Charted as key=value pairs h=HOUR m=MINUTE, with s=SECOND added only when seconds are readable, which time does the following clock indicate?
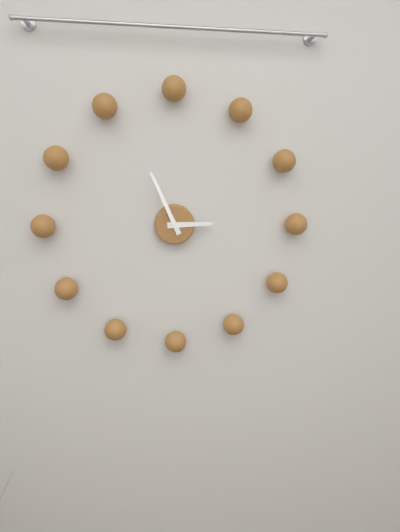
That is h=2 m=56
